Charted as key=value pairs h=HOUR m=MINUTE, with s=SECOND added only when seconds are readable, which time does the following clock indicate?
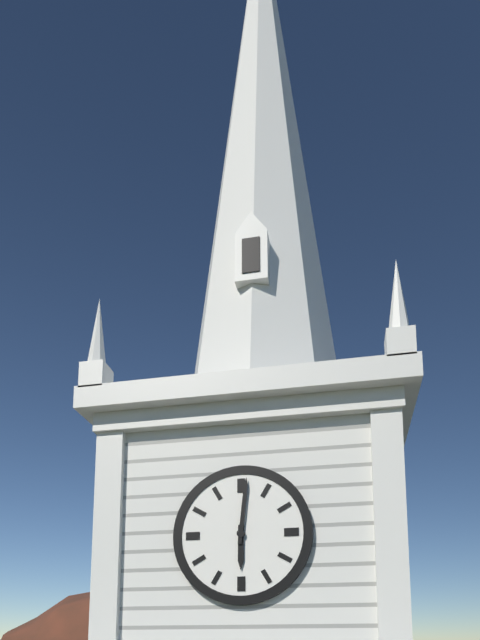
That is h=6 m=1
